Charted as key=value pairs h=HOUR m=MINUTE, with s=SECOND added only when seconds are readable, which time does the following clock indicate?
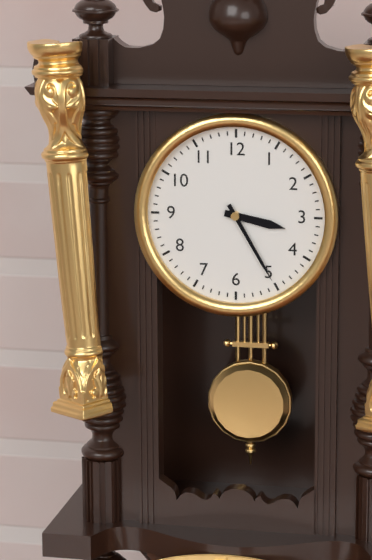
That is h=3 m=25
